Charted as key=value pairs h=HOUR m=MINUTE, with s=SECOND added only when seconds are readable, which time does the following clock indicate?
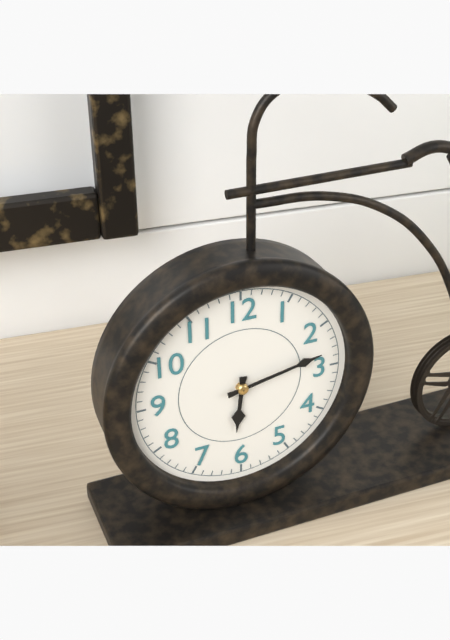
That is h=6 m=13
